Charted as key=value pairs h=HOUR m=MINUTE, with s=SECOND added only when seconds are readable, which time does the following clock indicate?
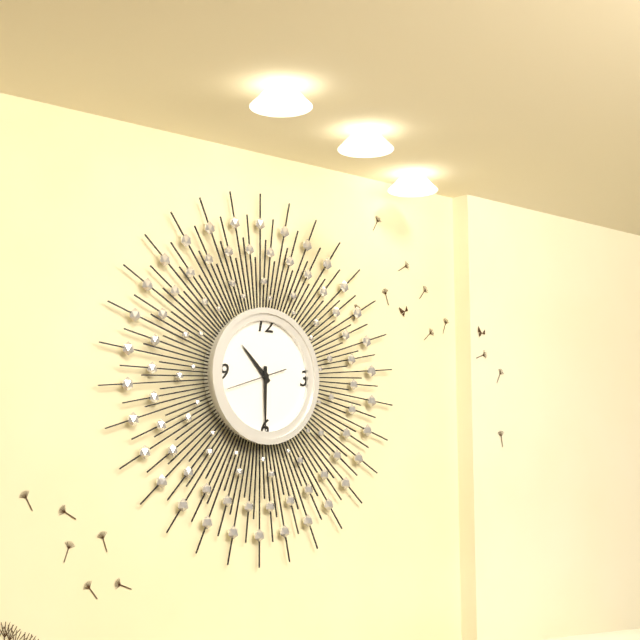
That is h=10 m=30 s=42
